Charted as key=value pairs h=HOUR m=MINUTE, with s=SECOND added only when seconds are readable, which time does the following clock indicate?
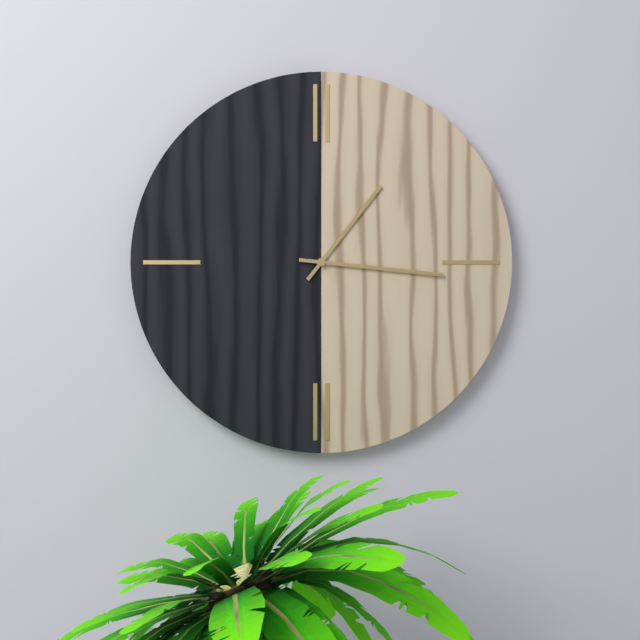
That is h=1 m=16
